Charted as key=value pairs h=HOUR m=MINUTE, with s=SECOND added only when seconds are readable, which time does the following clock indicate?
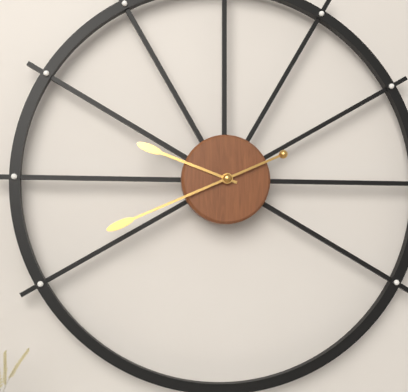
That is h=9 m=41
